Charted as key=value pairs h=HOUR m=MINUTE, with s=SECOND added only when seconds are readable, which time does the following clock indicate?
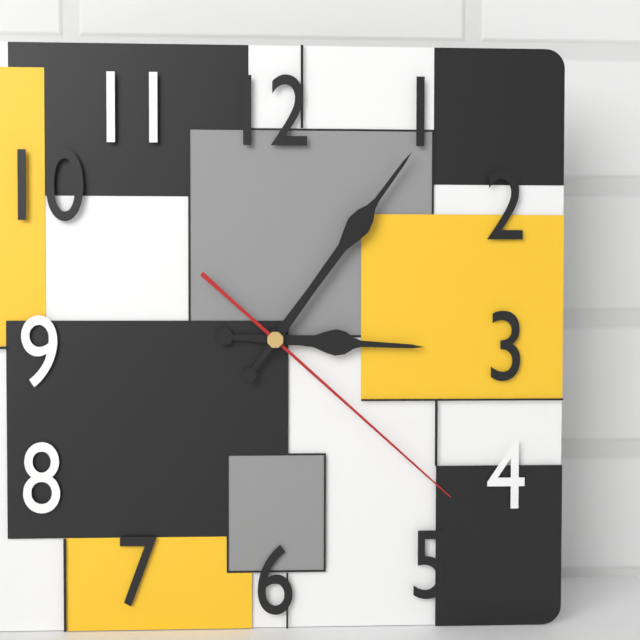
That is h=3 m=6 s=22
